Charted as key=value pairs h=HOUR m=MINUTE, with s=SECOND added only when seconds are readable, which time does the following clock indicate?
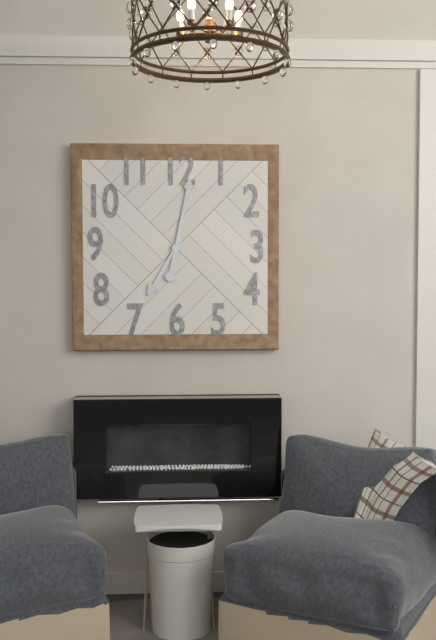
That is h=7 m=2
